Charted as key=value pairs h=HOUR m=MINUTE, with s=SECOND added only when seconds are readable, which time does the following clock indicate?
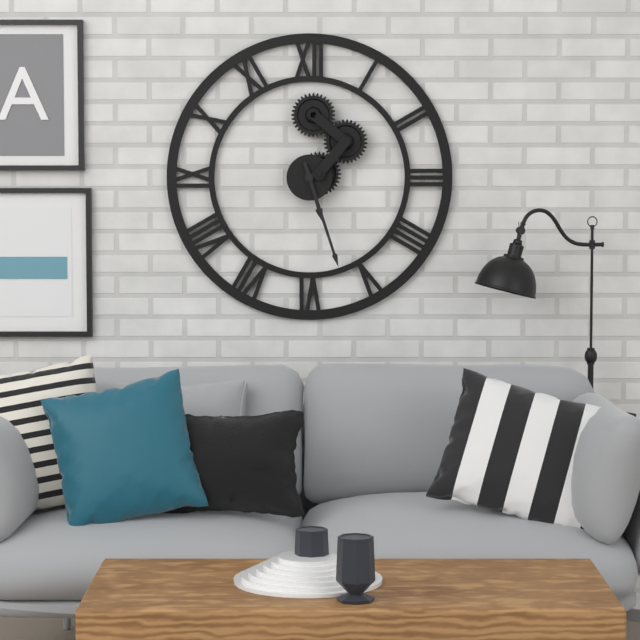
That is h=5 m=27
